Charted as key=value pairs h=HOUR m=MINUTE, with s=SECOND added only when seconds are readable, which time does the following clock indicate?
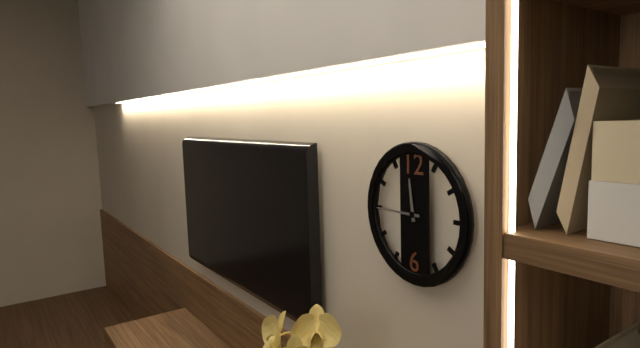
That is h=11 m=45
